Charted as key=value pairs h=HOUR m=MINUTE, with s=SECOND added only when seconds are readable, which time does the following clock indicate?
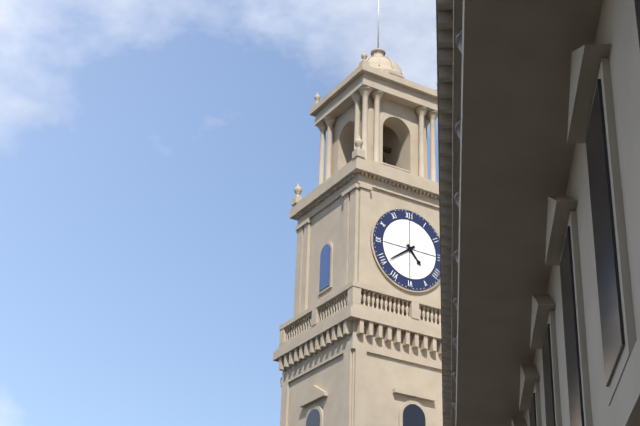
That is h=4 m=39
